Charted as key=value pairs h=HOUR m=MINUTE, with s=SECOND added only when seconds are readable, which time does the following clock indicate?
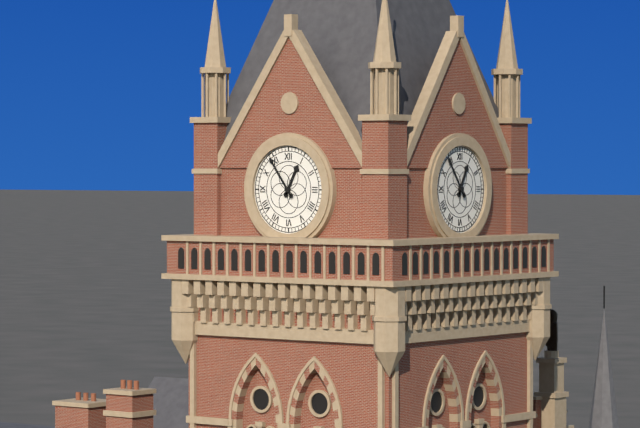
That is h=12 m=54
